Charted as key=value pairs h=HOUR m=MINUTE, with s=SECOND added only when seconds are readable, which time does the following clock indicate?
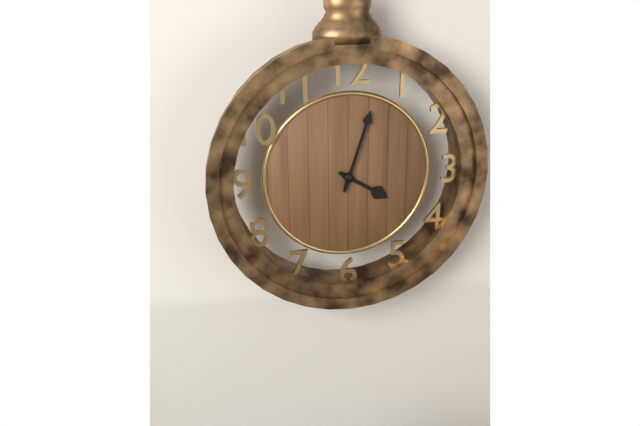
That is h=4 m=3
